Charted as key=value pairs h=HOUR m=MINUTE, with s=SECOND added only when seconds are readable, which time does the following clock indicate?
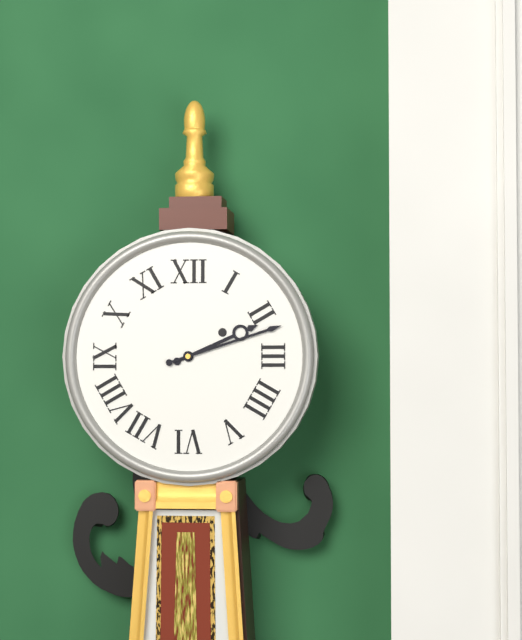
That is h=2 m=12
